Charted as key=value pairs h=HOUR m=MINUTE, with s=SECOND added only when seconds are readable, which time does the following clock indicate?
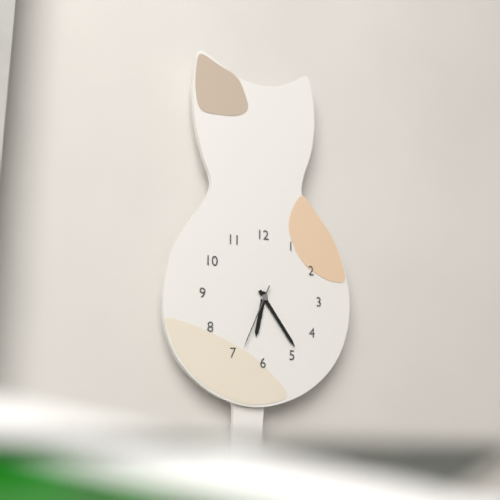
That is h=6 m=24 s=34
